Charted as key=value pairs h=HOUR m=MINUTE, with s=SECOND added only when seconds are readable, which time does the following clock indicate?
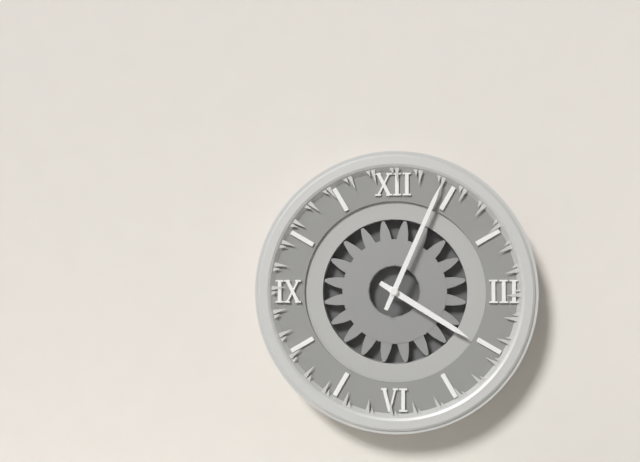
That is h=4 m=4
